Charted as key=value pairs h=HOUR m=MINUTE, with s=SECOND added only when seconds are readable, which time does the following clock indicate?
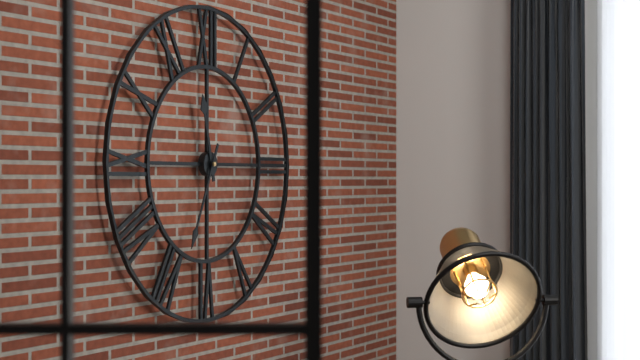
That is h=11 m=34
